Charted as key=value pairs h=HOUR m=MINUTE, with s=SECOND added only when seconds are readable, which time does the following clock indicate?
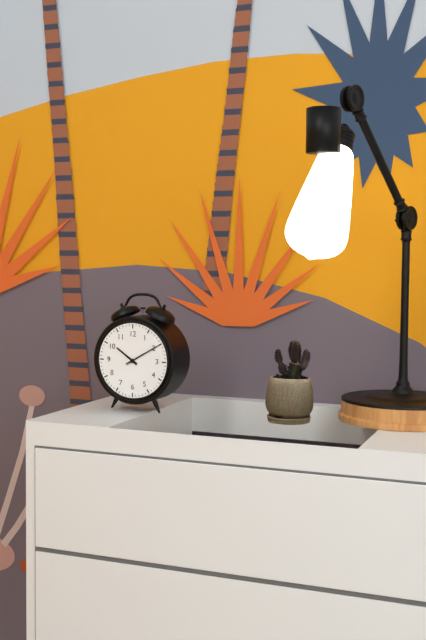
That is h=10 m=10
